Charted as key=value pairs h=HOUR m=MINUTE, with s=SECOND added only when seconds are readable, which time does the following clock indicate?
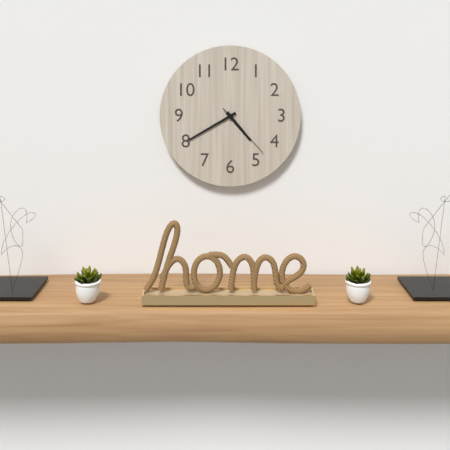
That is h=4 m=40 s=23
